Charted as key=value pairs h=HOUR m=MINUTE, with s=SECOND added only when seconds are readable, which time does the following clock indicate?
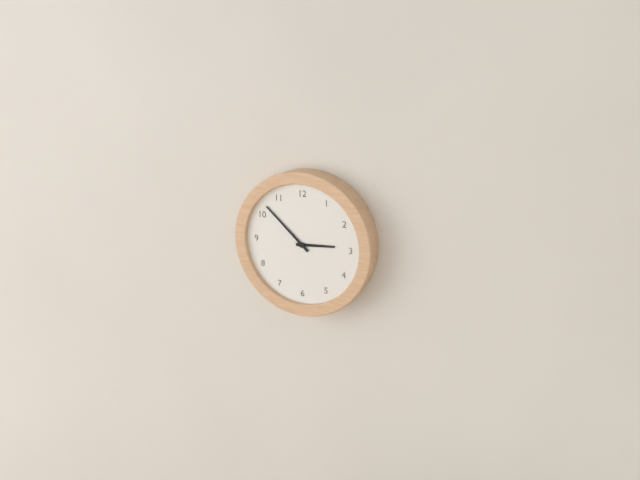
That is h=2 m=52
